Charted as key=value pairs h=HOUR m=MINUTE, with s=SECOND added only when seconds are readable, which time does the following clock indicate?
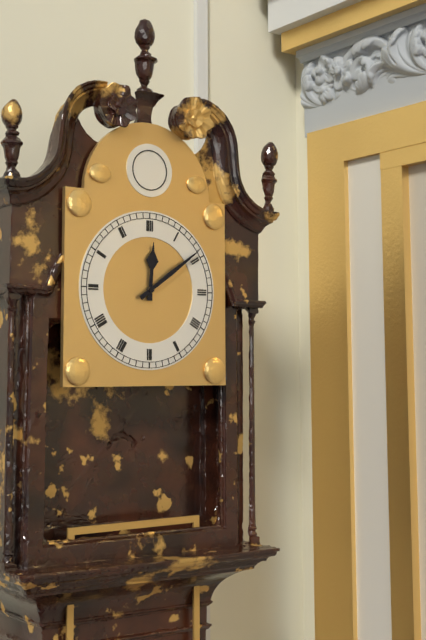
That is h=12 m=9
